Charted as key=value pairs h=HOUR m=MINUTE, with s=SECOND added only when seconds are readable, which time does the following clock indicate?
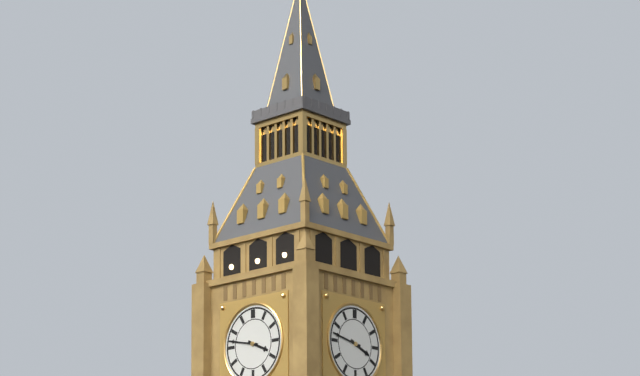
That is h=3 m=47
